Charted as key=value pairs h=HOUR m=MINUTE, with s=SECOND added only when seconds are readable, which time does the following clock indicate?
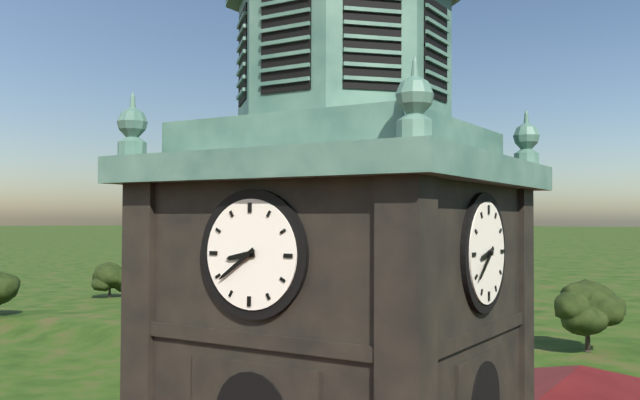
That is h=8 m=39
